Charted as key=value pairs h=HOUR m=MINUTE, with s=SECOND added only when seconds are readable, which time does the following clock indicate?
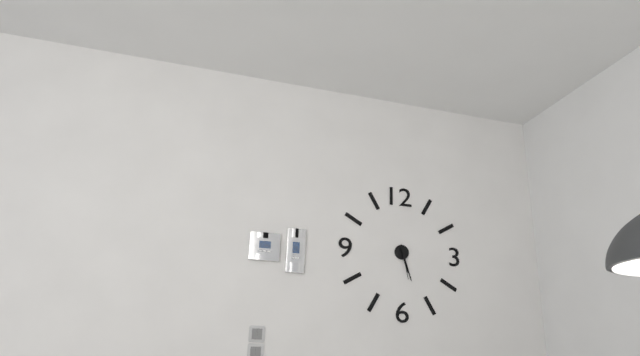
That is h=5 m=27
